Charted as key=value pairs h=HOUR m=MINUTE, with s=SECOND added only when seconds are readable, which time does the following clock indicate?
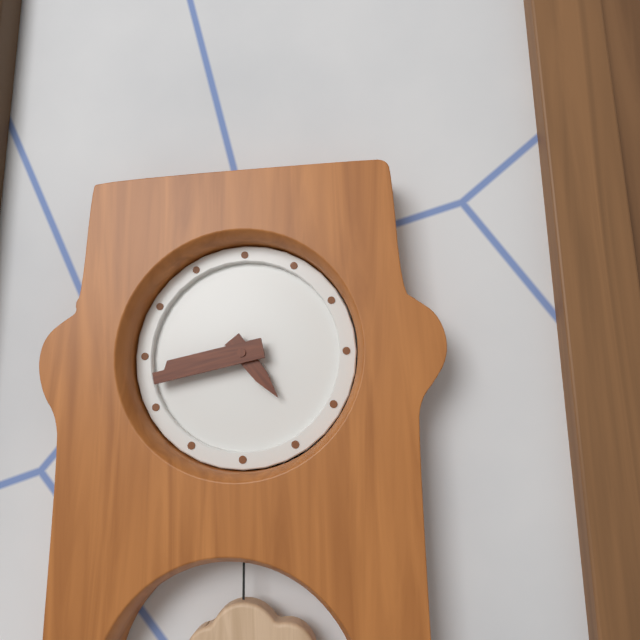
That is h=4 m=43
